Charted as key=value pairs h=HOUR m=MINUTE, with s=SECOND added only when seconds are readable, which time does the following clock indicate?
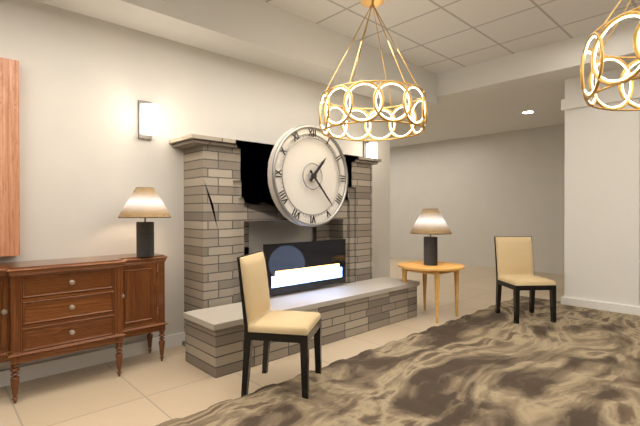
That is h=1 m=23
